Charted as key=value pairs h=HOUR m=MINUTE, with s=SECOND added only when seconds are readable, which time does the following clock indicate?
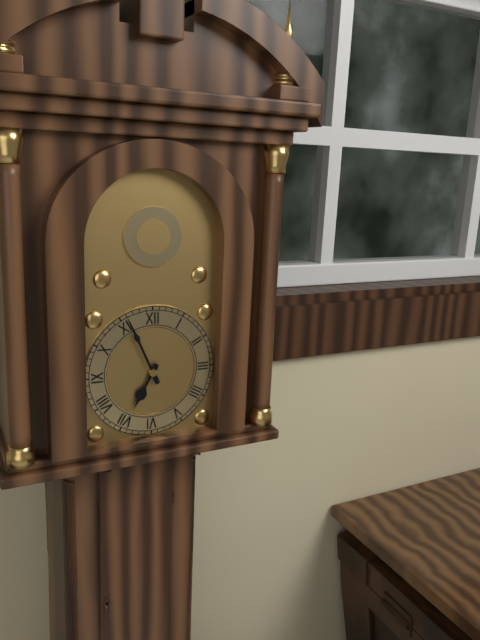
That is h=6 m=56
